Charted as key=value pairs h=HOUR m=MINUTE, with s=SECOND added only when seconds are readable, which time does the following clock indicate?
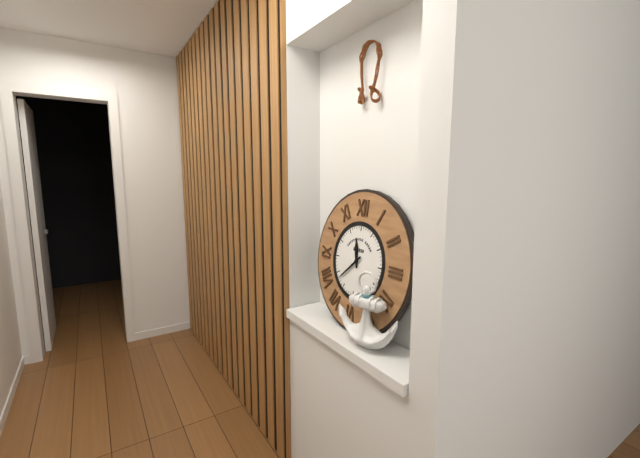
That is h=11 m=38
